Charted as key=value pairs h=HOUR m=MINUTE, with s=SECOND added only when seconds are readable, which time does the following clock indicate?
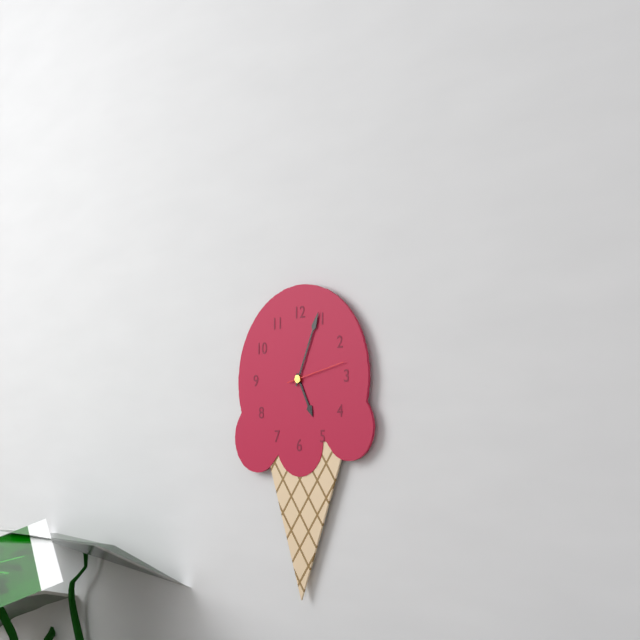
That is h=5 m=4 s=13
